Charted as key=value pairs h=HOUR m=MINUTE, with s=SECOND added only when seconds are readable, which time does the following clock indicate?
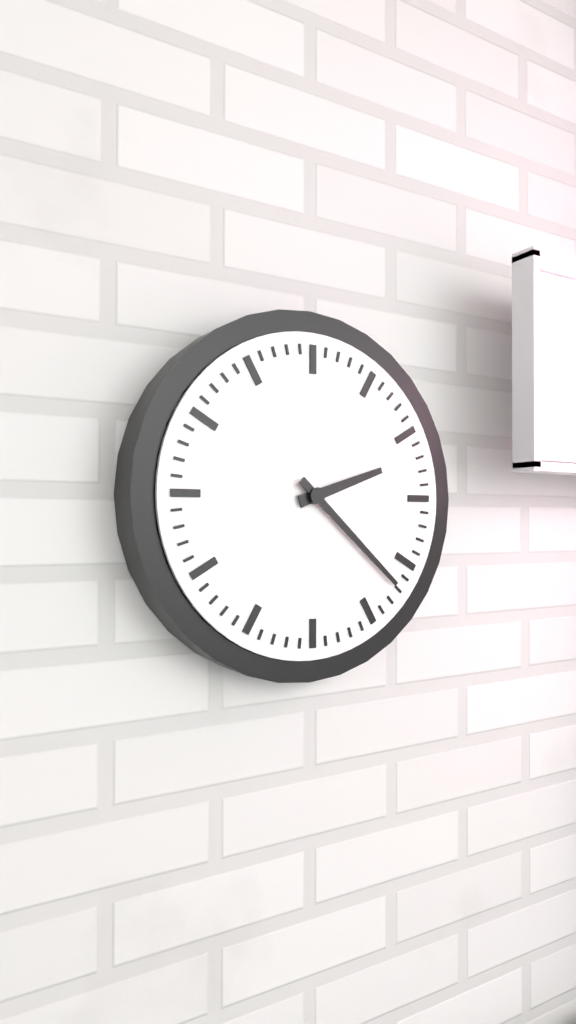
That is h=2 m=22
